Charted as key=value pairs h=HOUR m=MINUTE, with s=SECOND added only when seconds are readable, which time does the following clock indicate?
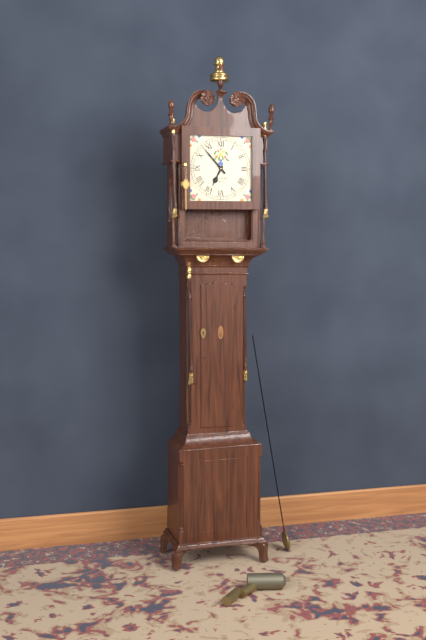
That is h=6 m=53
